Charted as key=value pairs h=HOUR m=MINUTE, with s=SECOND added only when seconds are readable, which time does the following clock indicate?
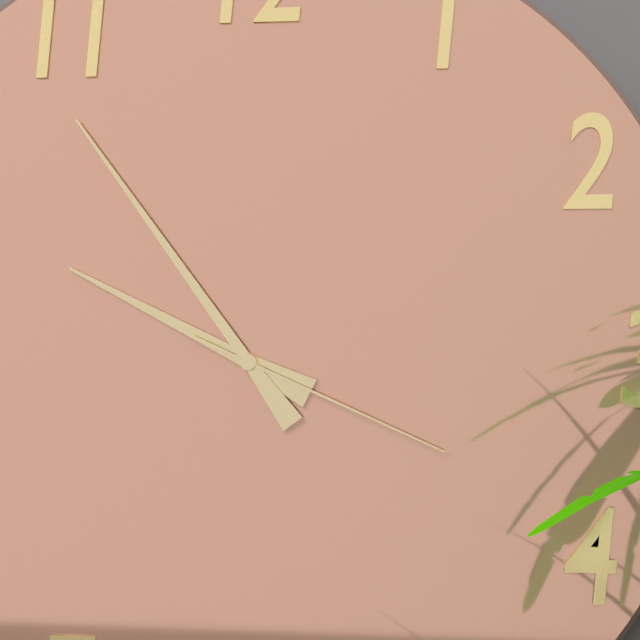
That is h=9 m=54 s=19
